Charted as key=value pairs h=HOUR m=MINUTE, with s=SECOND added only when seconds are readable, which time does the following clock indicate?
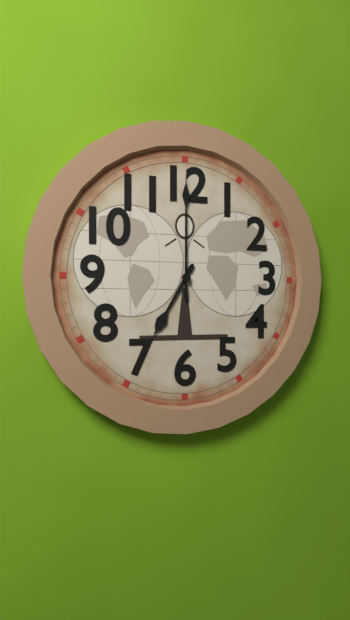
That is h=7 m=0
